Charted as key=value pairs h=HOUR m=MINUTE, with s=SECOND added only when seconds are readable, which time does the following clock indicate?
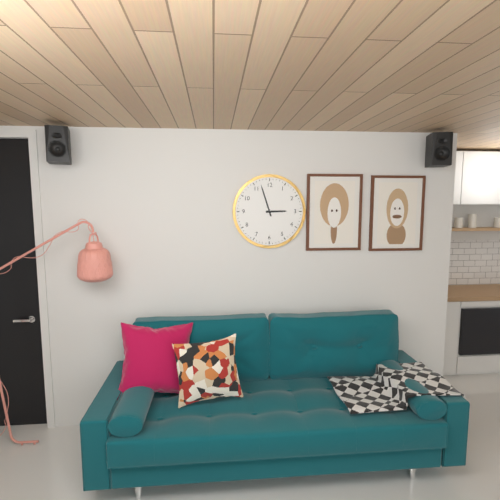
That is h=2 m=57
